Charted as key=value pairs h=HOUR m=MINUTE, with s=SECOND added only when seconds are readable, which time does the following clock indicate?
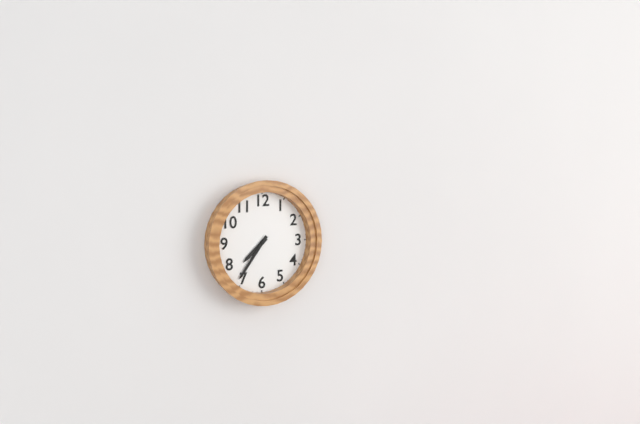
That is h=7 m=36
